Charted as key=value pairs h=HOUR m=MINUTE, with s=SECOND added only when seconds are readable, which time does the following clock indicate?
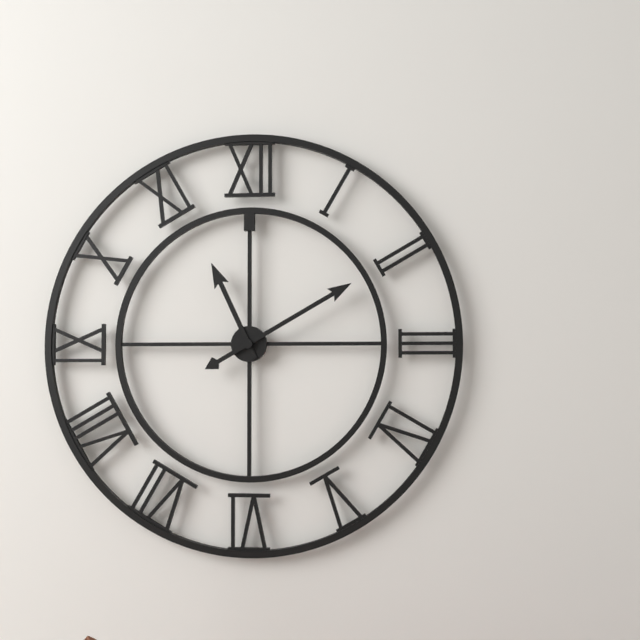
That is h=11 m=10
